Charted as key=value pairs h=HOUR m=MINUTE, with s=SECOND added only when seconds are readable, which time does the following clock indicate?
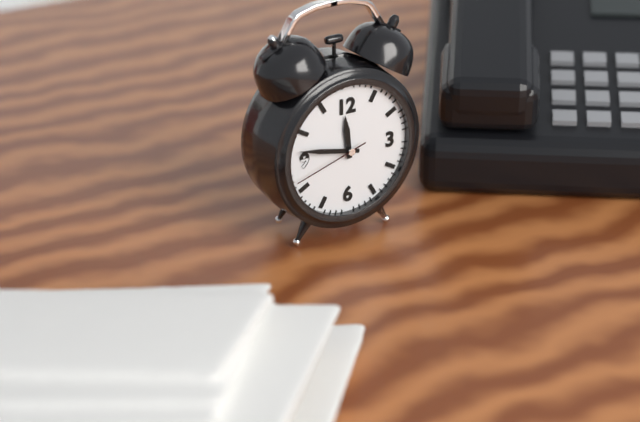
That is h=11 m=47 s=42
